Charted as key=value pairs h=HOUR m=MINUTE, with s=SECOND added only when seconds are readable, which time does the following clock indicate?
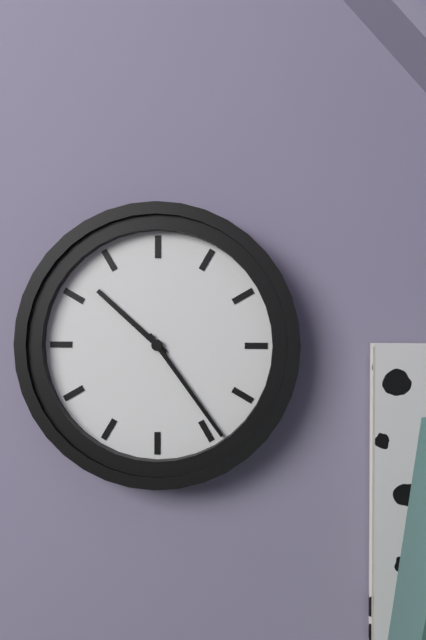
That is h=10 m=24
